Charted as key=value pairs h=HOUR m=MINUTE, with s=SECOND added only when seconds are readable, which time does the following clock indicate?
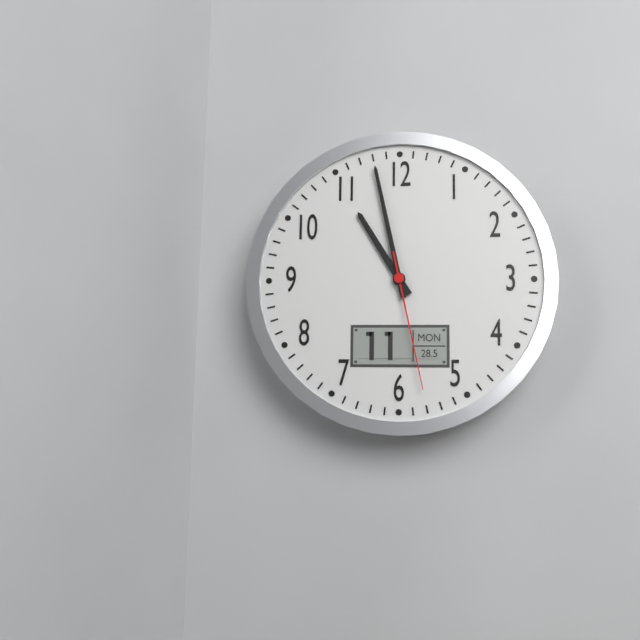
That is h=10 m=58 s=28
